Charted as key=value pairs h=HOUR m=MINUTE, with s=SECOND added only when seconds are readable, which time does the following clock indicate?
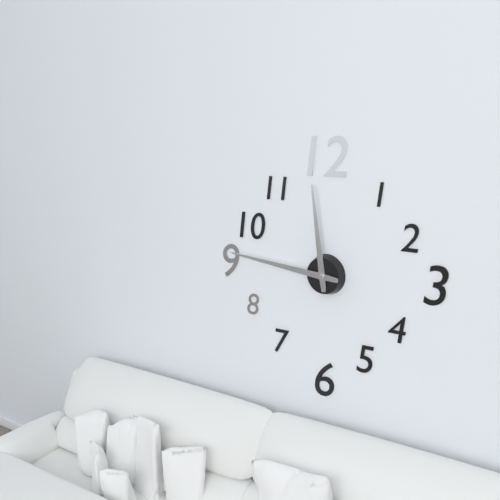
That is h=11 m=46
